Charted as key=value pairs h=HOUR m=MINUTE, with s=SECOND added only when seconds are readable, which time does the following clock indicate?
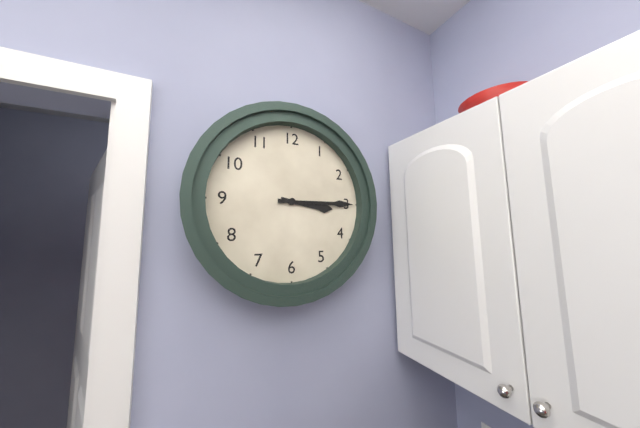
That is h=3 m=15
